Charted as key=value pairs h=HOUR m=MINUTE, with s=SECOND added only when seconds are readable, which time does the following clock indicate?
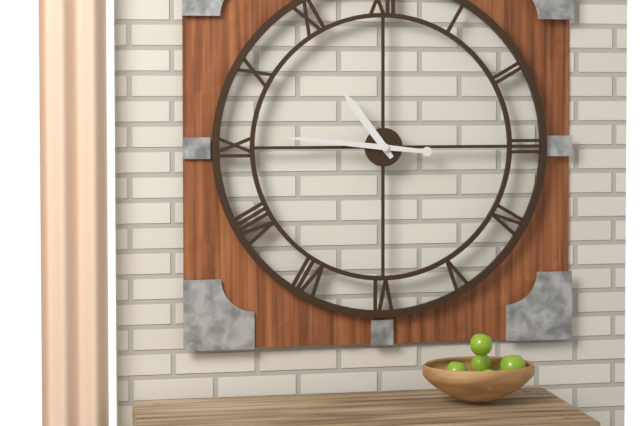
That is h=10 m=46
